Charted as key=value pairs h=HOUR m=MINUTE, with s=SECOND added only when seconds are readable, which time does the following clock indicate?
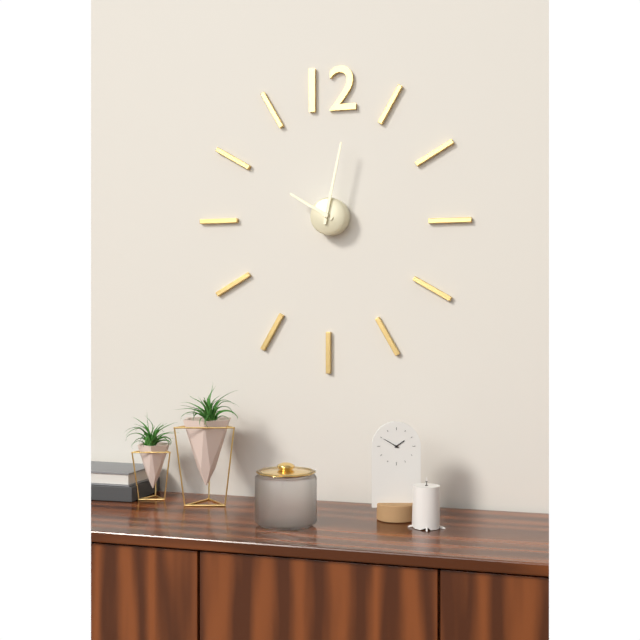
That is h=10 m=2
